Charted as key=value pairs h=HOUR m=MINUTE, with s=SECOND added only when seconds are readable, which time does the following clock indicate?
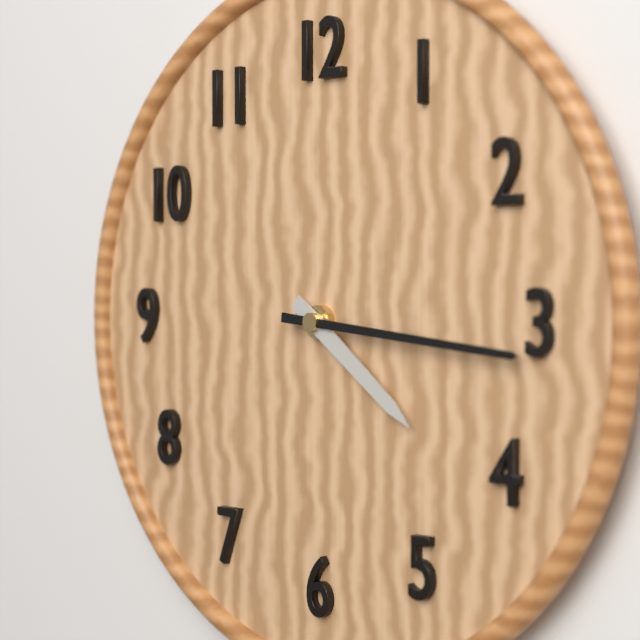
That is h=4 m=16
